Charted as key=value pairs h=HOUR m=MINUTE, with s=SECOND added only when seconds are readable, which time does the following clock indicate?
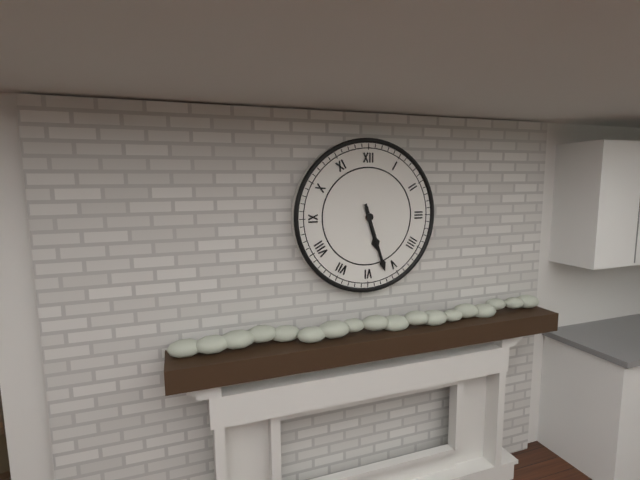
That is h=5 m=27
